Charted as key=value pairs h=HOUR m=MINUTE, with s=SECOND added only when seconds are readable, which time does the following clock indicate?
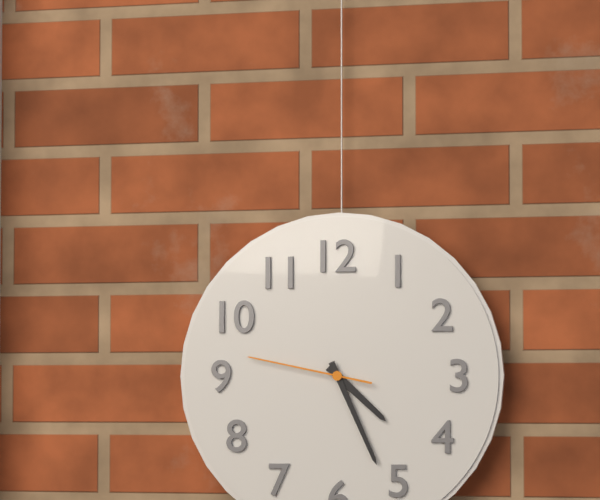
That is h=4 m=26 s=47
